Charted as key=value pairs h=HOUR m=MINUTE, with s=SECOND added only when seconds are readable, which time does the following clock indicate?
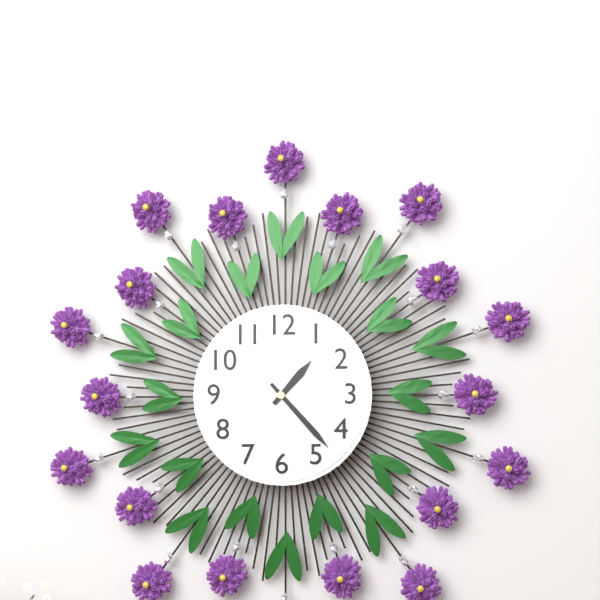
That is h=1 m=23
